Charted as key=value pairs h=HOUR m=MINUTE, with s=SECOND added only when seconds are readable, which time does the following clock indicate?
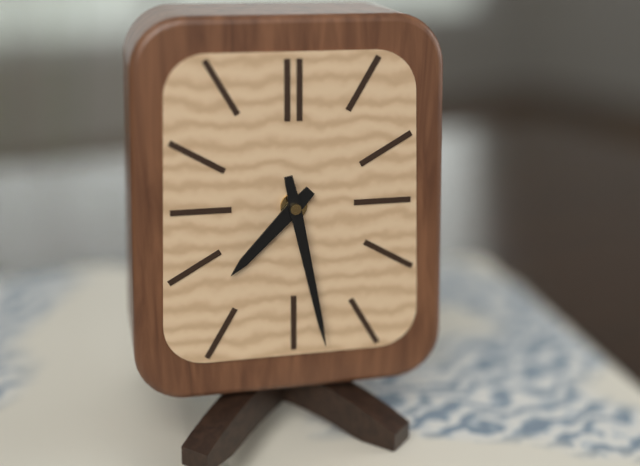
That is h=7 m=28
